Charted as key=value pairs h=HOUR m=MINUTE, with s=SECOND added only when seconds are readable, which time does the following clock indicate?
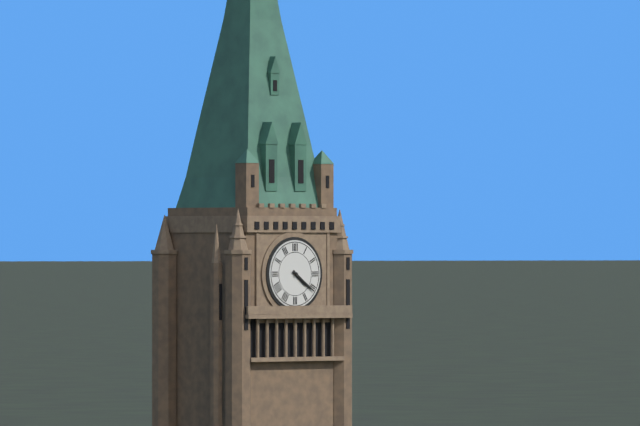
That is h=4 m=21
